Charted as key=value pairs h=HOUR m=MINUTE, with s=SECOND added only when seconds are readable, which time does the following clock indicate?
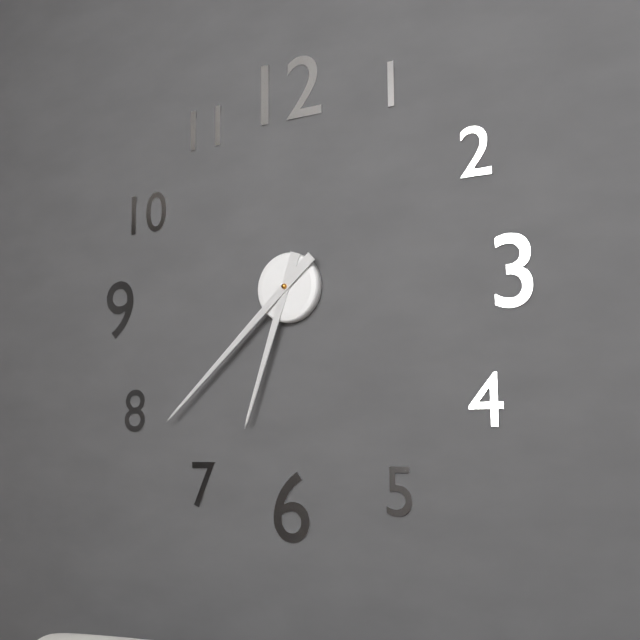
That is h=6 m=38
